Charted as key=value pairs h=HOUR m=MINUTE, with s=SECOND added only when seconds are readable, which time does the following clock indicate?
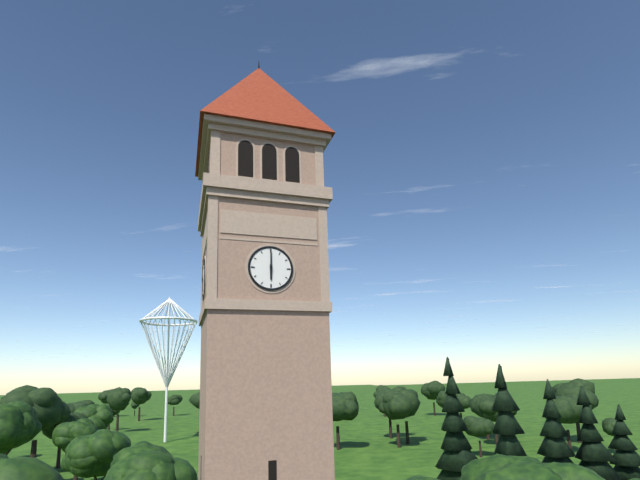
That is h=6 m=0
